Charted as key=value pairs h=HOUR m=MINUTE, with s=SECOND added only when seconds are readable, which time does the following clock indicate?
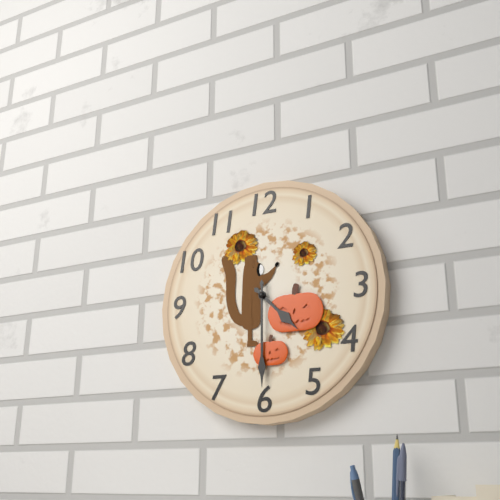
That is h=4 m=30
